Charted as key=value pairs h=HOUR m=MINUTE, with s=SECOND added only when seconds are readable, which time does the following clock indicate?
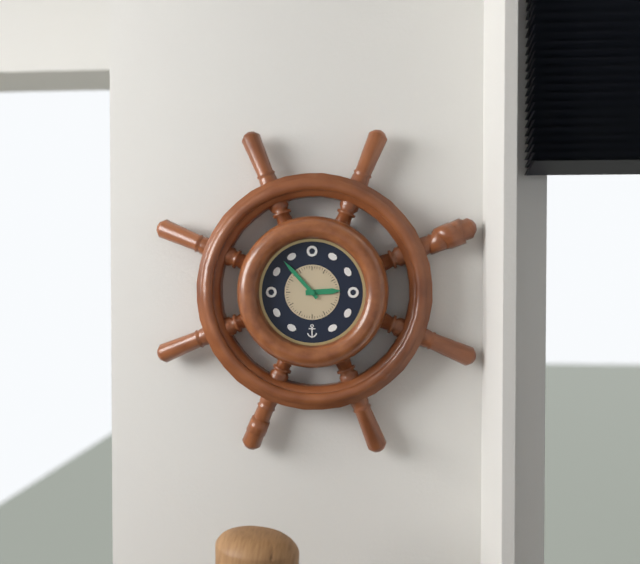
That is h=2 m=53
